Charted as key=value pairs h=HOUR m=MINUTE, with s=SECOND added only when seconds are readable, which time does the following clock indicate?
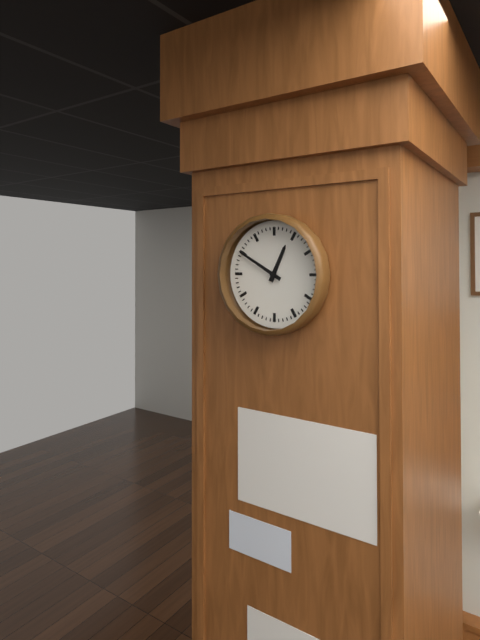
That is h=12 m=50
